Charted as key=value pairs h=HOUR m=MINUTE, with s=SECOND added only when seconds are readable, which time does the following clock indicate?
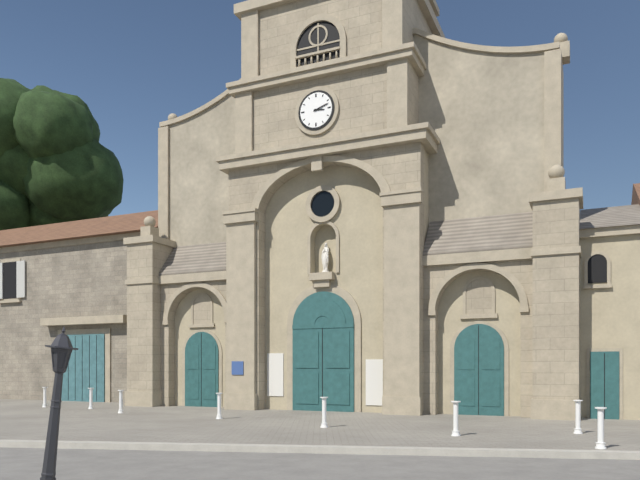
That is h=3 m=12
